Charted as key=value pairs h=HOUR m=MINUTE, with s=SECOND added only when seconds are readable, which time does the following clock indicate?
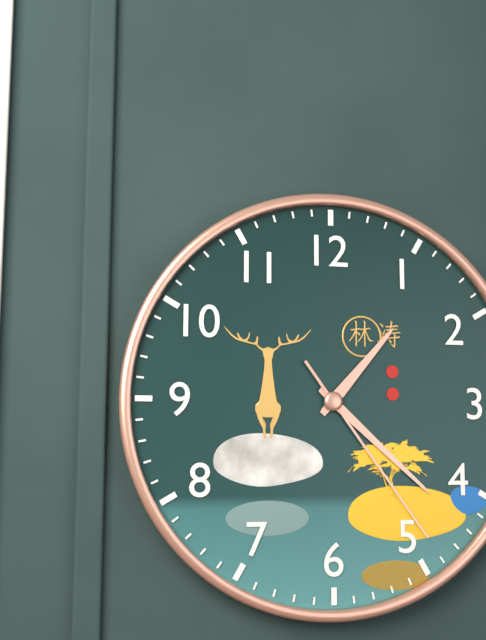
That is h=1 m=22 s=24
